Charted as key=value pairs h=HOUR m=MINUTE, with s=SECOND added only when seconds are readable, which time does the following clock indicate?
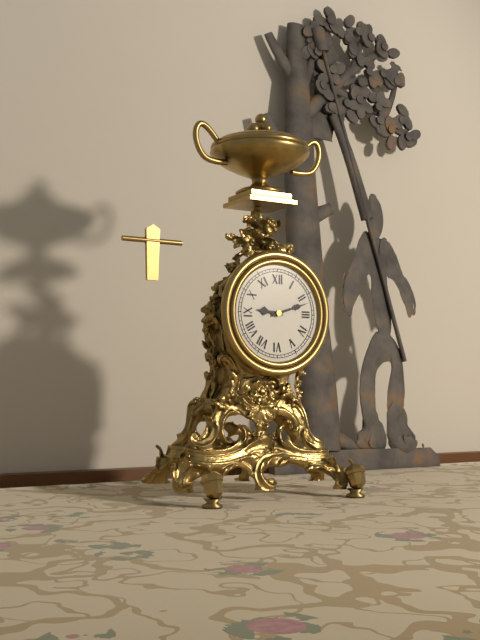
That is h=9 m=12
